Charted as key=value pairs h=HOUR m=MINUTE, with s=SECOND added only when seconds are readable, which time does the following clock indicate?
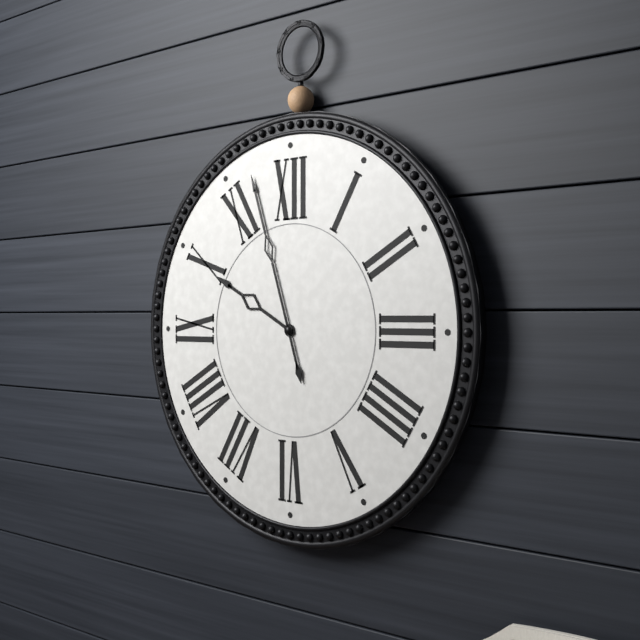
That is h=9 m=57
